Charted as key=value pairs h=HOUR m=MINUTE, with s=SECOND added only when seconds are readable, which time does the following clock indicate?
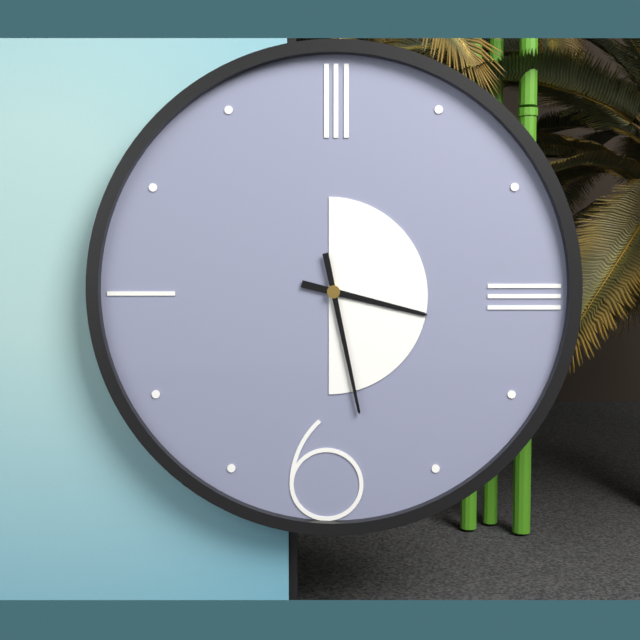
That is h=3 m=28
